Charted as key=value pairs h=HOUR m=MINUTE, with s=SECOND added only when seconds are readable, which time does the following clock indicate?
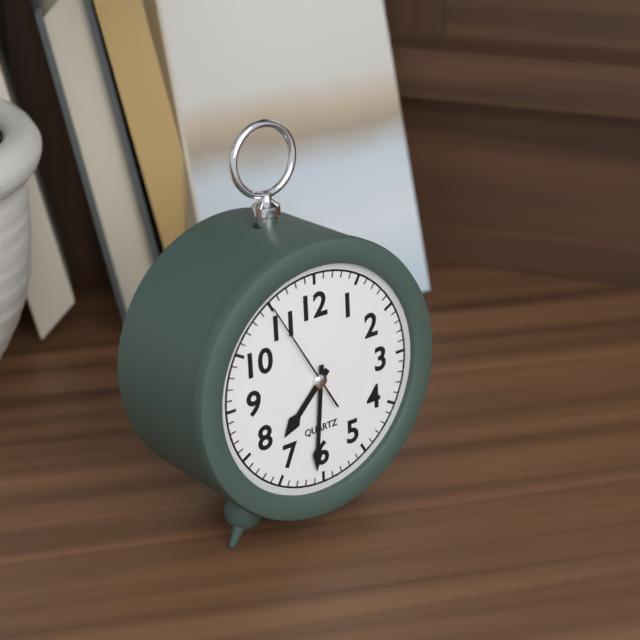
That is h=7 m=31 s=55
